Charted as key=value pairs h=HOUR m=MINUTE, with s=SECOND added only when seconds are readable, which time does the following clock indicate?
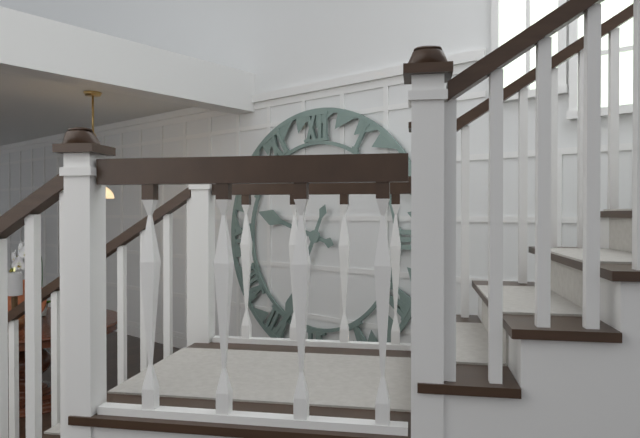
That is h=9 m=34
